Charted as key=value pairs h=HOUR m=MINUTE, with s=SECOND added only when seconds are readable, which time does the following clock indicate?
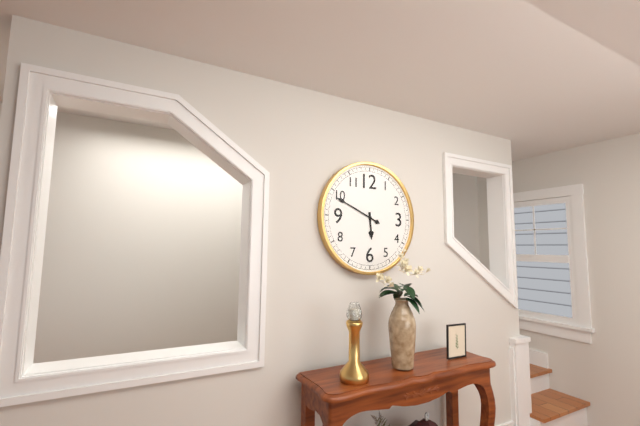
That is h=5 m=49
